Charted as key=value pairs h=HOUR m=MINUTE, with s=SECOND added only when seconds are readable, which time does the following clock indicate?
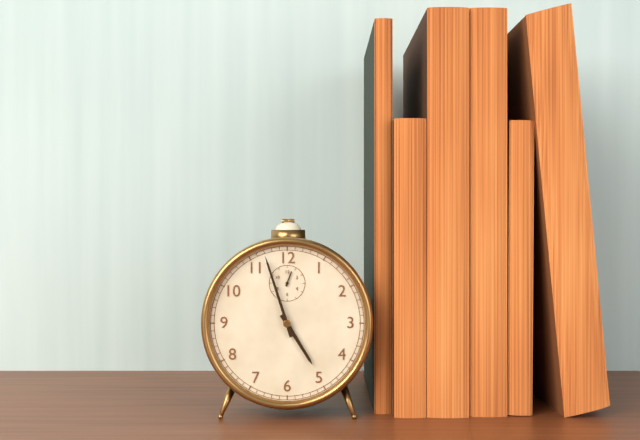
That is h=4 m=57
